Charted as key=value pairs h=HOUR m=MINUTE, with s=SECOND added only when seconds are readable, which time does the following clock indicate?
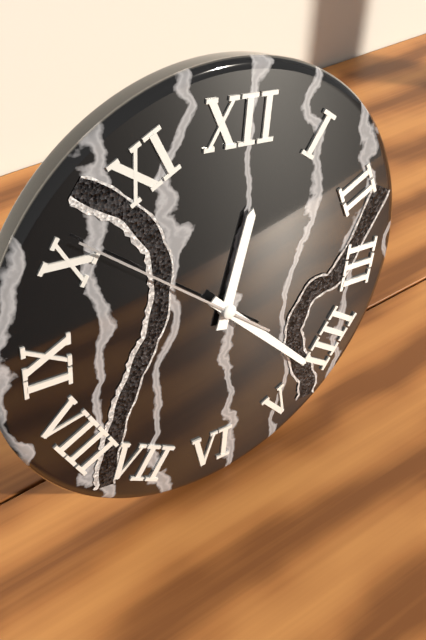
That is h=12 m=22 s=51
